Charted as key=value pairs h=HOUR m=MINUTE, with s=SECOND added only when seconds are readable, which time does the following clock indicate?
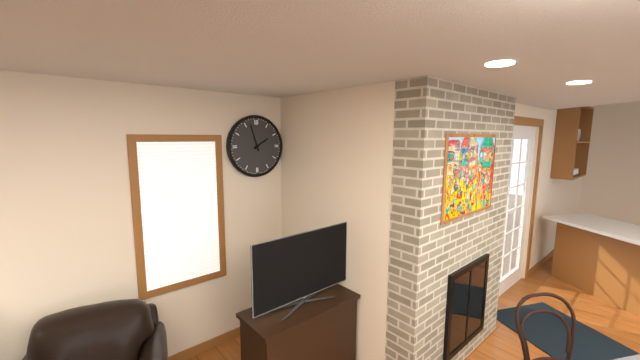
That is h=1 m=57
